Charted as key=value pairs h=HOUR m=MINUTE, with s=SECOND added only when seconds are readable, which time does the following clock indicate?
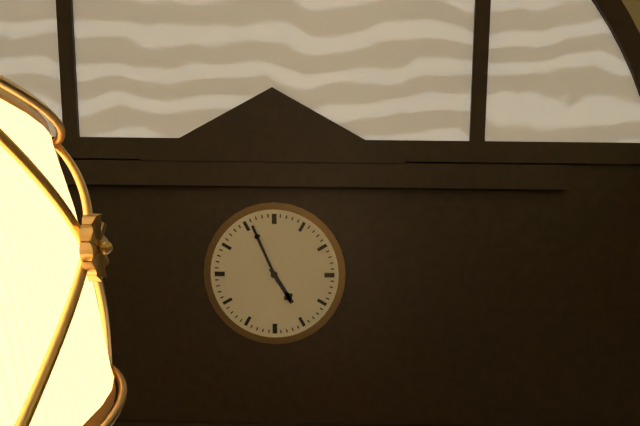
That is h=4 m=56
